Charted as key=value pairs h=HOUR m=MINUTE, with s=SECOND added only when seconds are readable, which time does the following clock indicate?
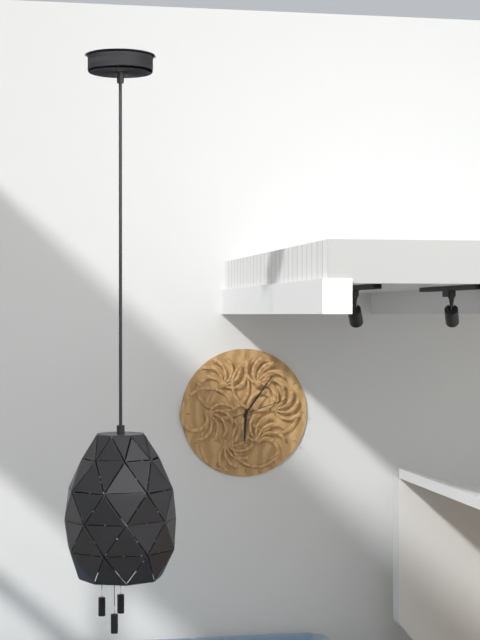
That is h=6 m=6 s=12
